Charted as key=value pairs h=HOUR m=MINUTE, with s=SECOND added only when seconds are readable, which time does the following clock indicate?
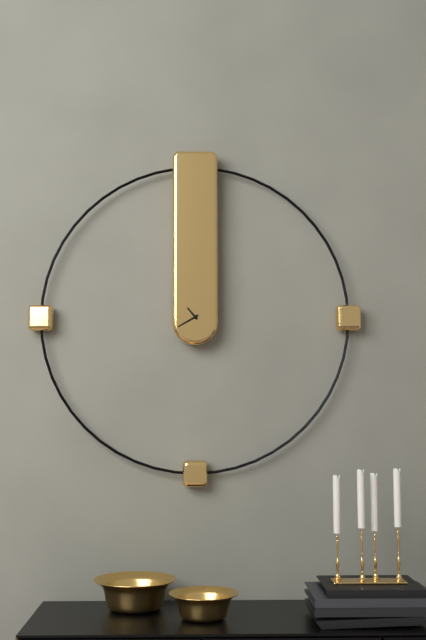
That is h=10 m=40
